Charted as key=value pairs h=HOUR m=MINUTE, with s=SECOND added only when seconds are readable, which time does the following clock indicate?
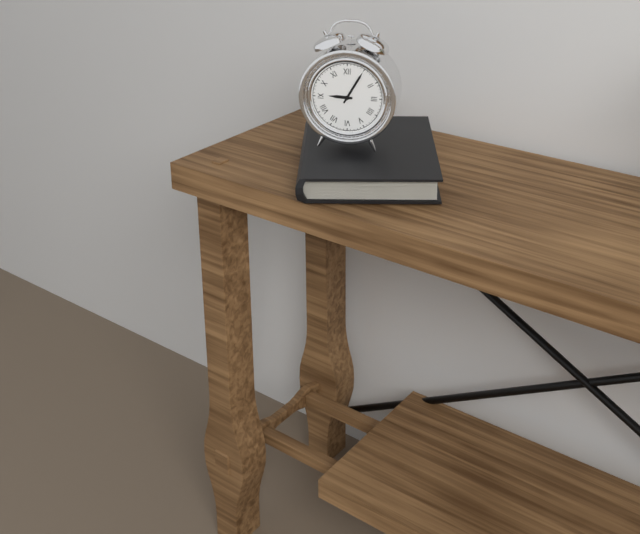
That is h=9 m=5
